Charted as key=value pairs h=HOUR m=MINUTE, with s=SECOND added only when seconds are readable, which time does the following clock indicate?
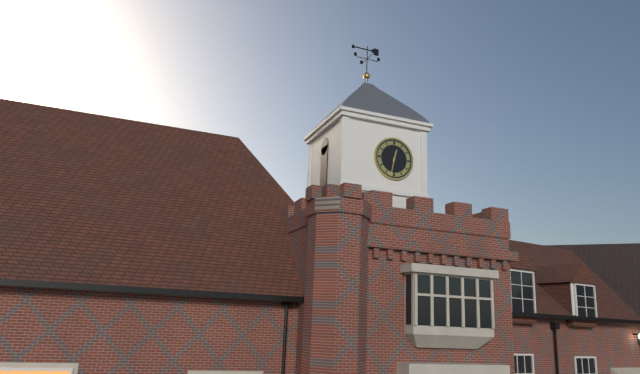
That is h=12 m=32
